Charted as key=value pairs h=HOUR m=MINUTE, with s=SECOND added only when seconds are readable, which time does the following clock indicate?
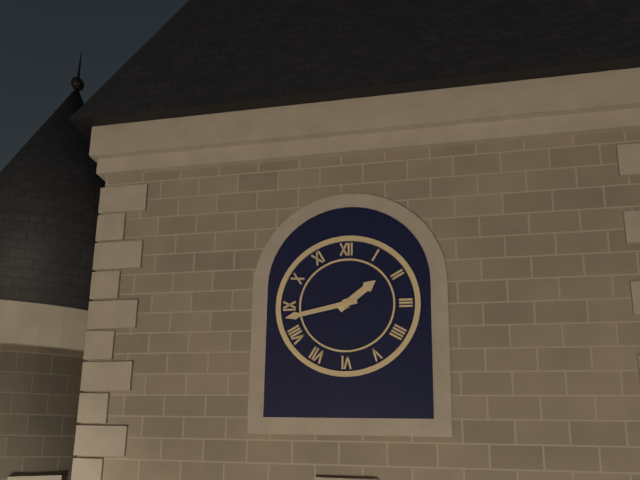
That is h=1 m=43
